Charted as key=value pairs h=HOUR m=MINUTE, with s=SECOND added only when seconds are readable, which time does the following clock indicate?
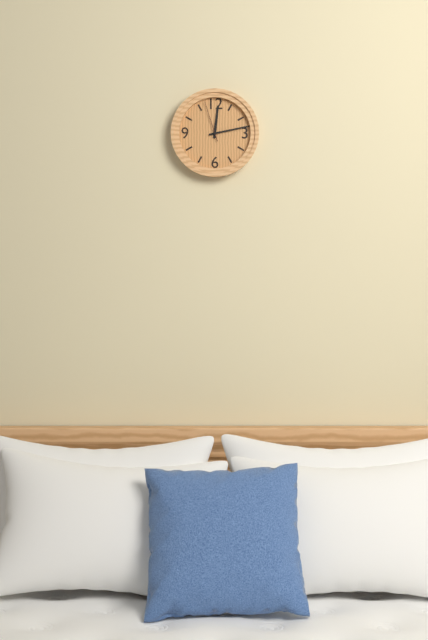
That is h=12 m=13
